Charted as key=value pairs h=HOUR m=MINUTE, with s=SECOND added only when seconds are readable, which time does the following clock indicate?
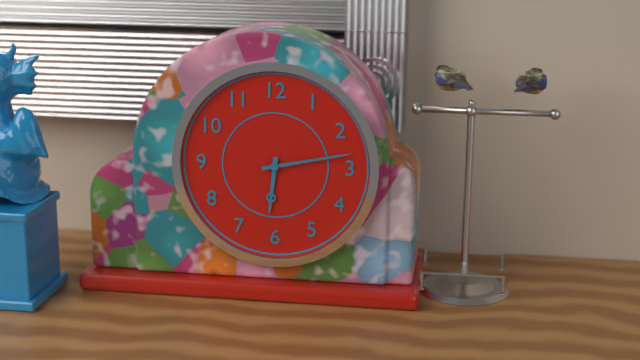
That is h=6 m=13
